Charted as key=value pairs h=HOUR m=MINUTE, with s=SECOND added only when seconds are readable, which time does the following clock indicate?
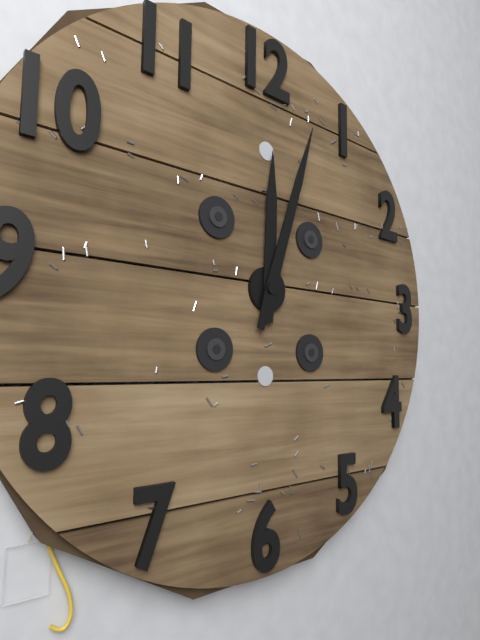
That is h=12 m=3
